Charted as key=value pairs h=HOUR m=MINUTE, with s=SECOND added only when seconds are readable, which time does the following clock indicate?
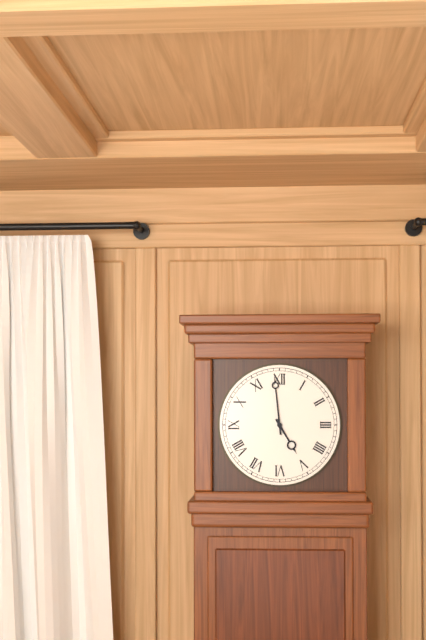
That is h=4 m=59
